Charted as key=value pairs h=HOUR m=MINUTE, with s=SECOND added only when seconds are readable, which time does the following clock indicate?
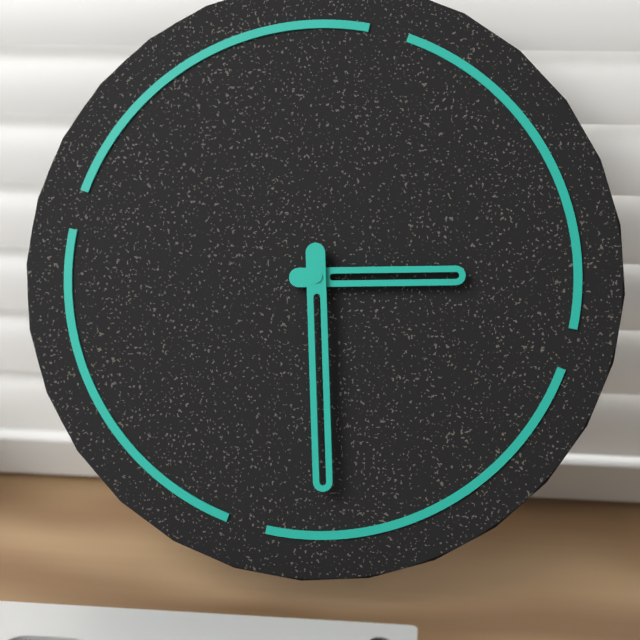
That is h=2 m=27
